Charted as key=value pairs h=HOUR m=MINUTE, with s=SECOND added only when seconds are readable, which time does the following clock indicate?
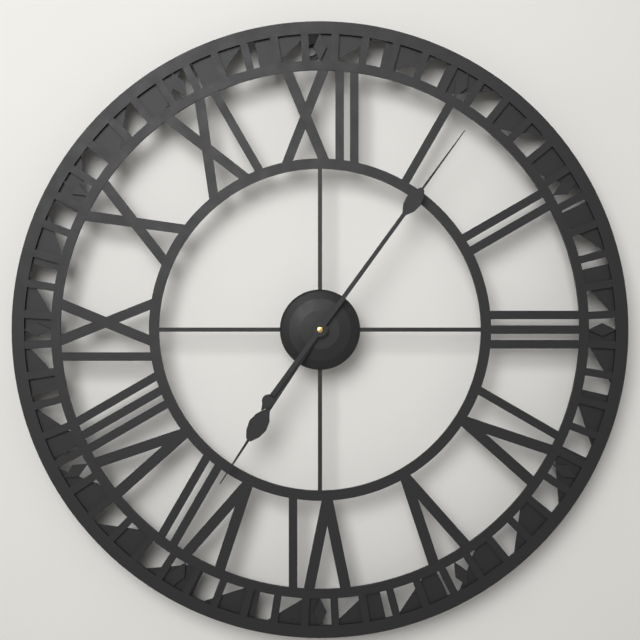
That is h=7 m=6
